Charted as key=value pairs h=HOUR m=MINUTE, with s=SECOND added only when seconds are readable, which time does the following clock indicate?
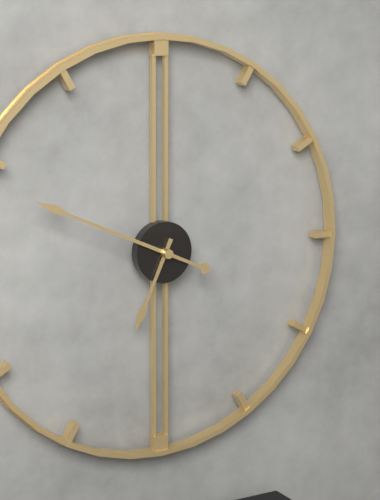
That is h=6 m=49
